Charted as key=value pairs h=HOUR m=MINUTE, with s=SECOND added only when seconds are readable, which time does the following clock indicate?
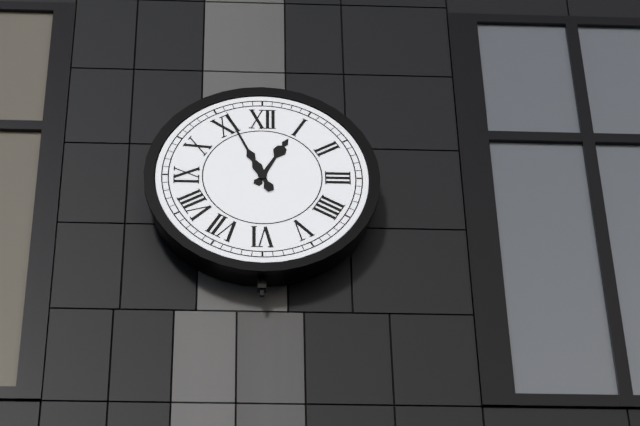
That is h=12 m=56
